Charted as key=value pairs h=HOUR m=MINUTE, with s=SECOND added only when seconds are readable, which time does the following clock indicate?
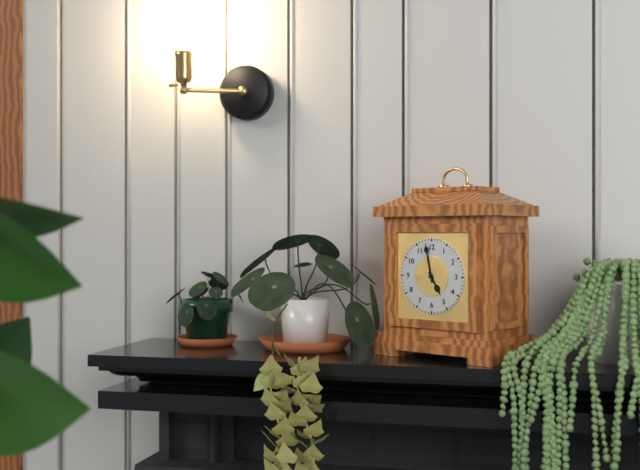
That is h=4 m=58
